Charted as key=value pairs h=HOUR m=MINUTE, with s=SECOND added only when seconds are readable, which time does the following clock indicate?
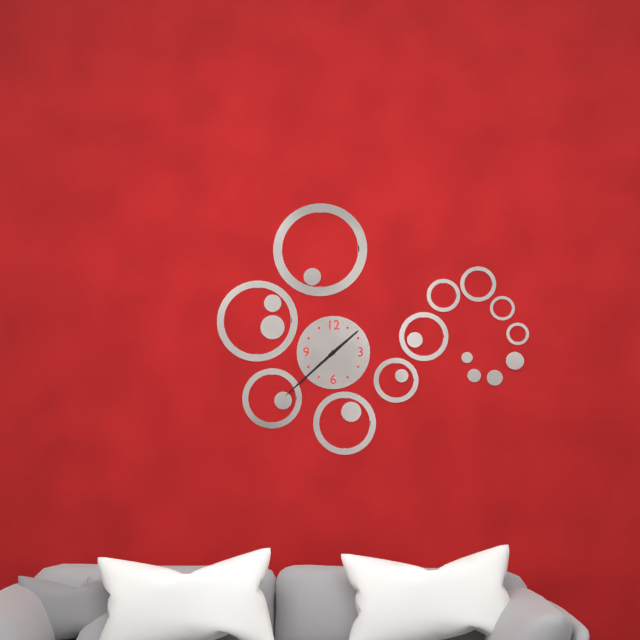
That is h=1 m=38
